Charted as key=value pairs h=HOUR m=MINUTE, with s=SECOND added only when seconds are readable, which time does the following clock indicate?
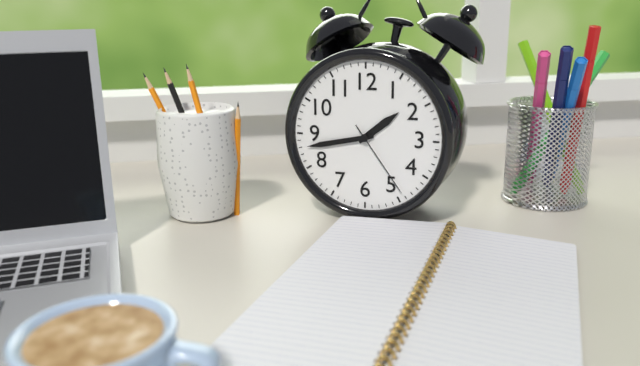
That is h=1 m=43 s=24
